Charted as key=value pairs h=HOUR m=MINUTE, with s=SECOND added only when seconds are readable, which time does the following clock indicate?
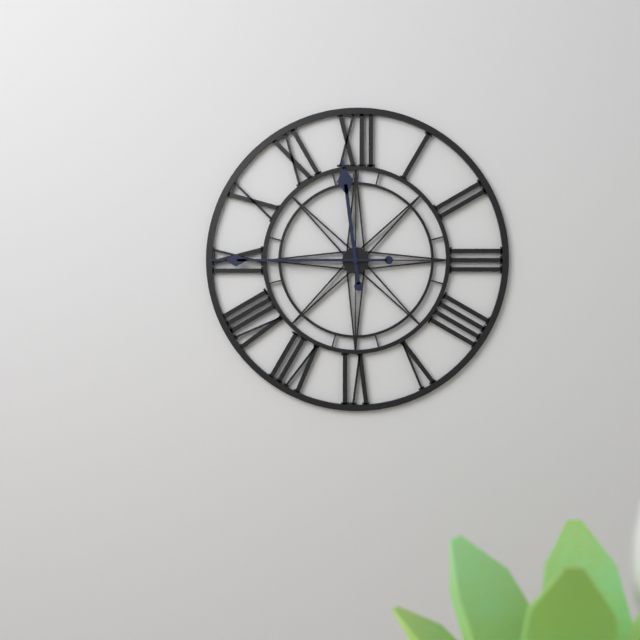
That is h=11 m=45
